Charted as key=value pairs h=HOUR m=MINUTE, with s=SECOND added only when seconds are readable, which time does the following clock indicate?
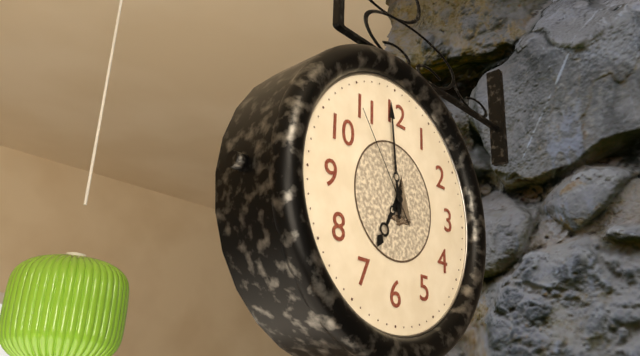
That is h=6 m=59 s=54
